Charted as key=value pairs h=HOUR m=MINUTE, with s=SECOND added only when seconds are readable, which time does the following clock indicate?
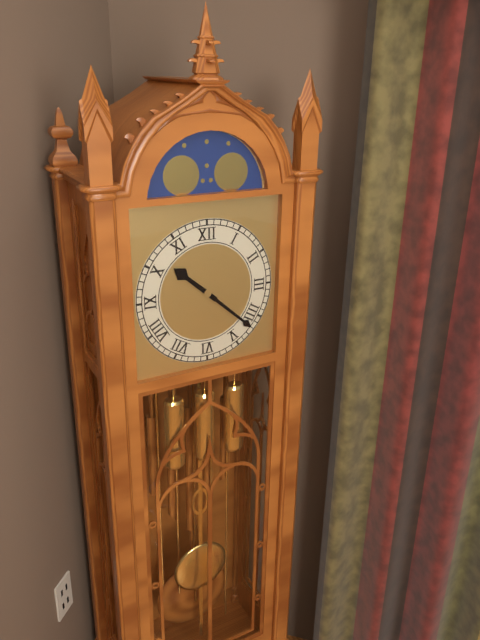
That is h=10 m=22
